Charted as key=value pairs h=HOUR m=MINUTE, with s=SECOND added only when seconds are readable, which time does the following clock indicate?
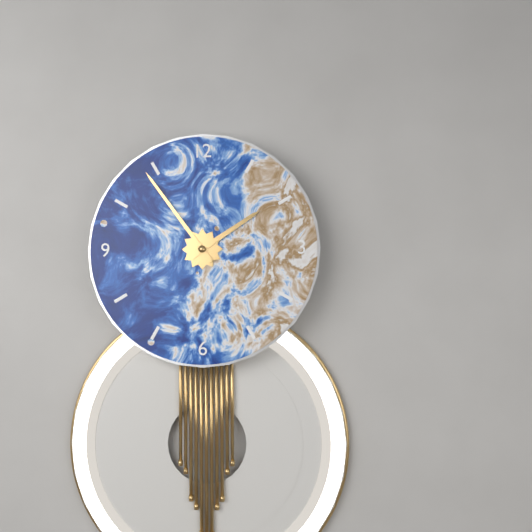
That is h=1 m=54
